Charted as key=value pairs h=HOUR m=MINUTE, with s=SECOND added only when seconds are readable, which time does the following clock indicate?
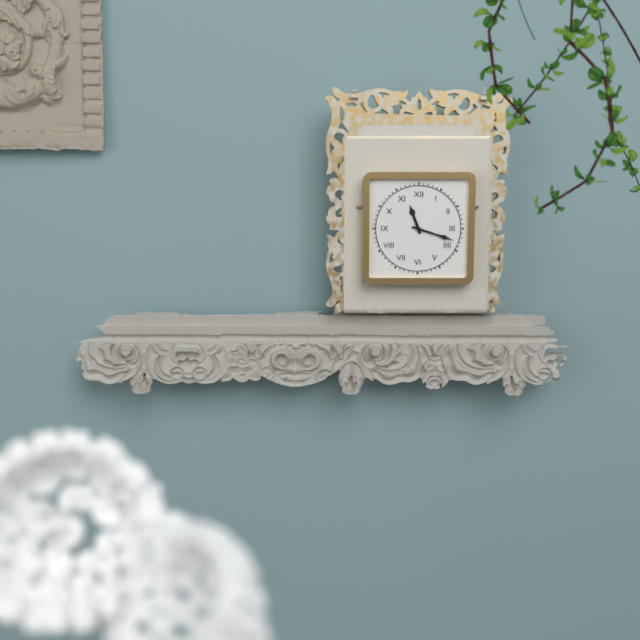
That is h=11 m=18
